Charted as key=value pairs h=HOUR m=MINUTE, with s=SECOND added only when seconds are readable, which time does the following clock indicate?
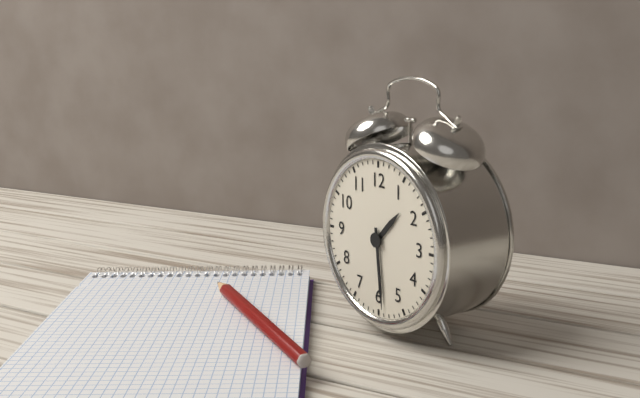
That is h=1 m=29
